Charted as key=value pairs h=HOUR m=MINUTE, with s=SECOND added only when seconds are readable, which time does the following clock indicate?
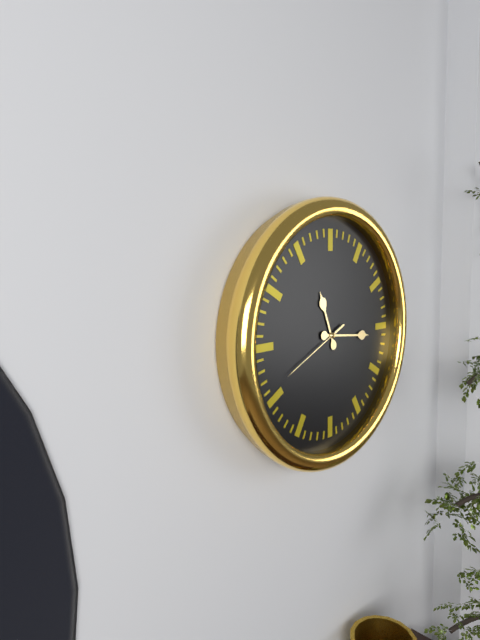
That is h=11 m=16 s=41
